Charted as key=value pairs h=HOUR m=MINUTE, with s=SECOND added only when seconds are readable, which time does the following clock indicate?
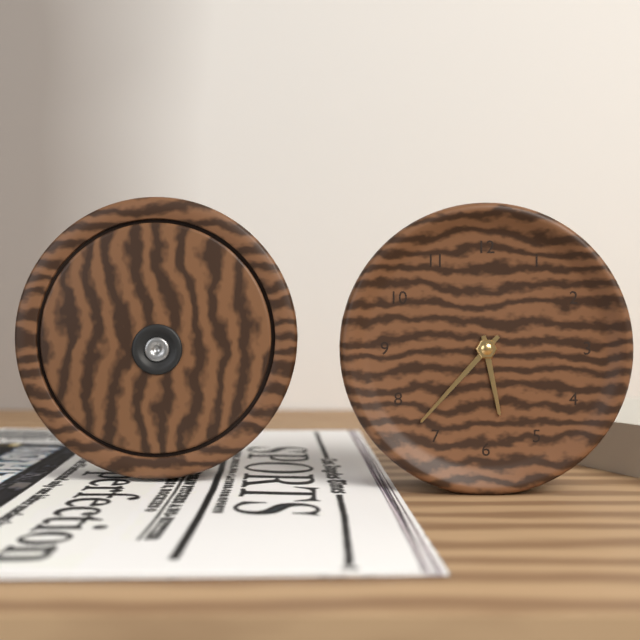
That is h=5 m=37
